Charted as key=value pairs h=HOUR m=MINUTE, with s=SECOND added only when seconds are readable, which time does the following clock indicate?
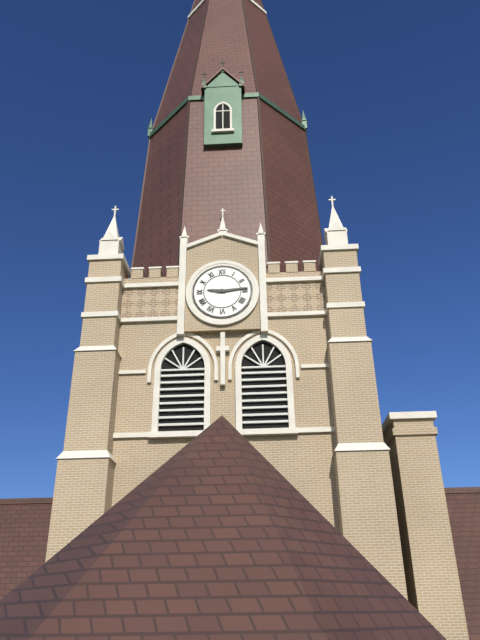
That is h=9 m=14
